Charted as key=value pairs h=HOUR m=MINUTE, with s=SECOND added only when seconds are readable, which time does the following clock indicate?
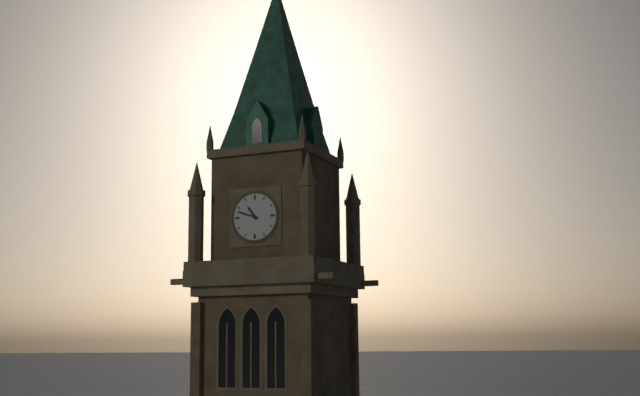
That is h=10 m=48
